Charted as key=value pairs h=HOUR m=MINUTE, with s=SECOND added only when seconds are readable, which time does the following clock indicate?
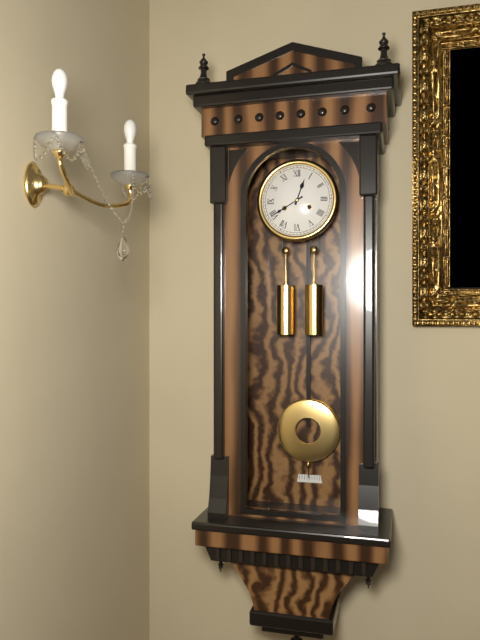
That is h=12 m=40
